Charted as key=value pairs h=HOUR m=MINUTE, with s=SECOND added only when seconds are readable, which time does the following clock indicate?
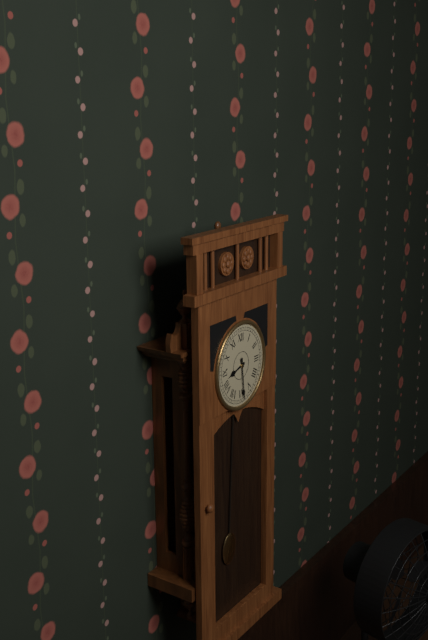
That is h=8 m=29
